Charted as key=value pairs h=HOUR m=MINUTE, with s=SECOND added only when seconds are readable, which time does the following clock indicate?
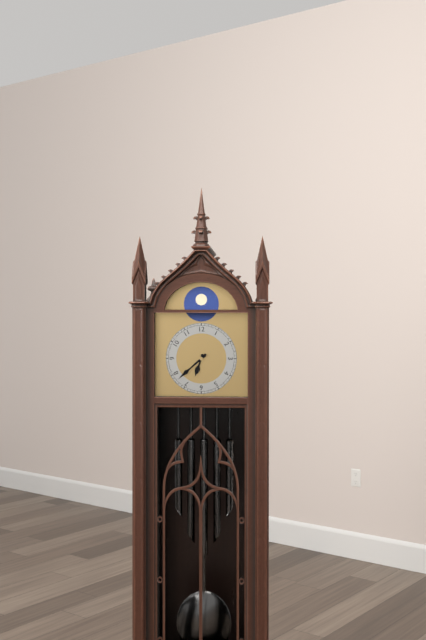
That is h=6 m=38
